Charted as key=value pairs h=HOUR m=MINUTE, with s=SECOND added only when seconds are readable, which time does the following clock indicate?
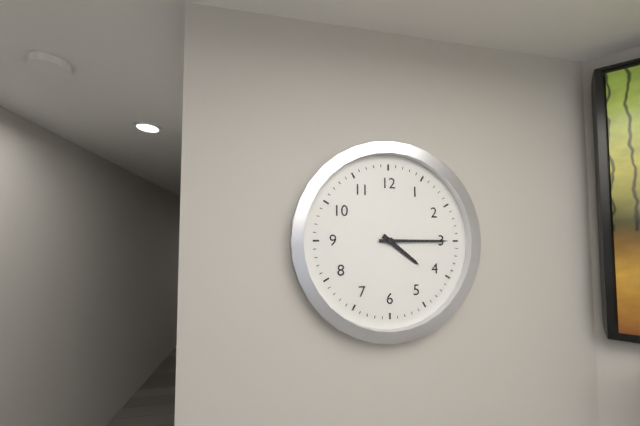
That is h=4 m=15
